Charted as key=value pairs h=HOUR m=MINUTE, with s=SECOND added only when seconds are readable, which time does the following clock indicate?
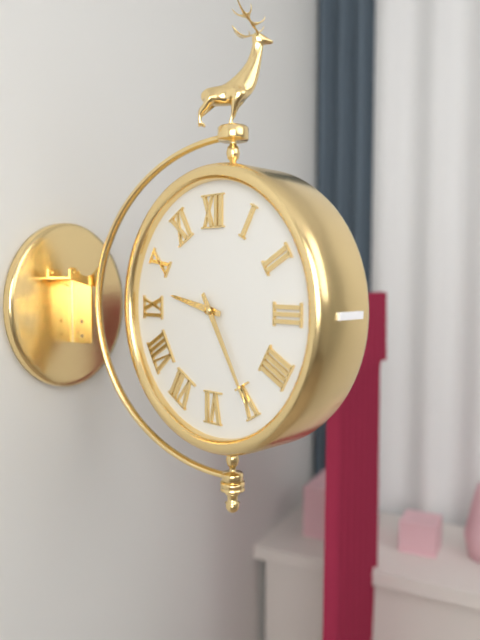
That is h=9 m=25
